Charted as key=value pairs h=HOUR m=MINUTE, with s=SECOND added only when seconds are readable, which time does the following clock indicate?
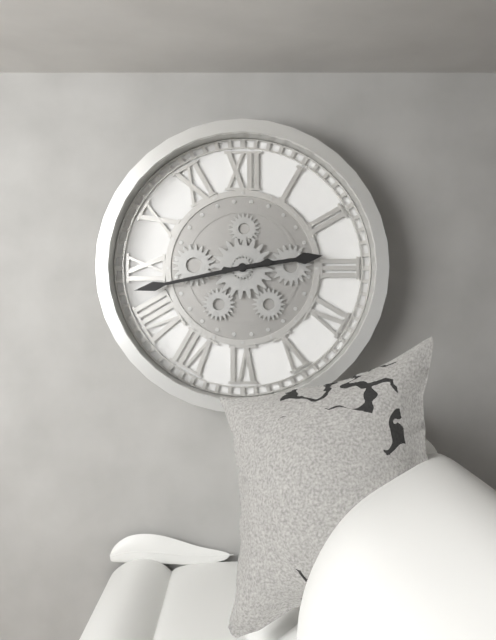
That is h=2 m=43
